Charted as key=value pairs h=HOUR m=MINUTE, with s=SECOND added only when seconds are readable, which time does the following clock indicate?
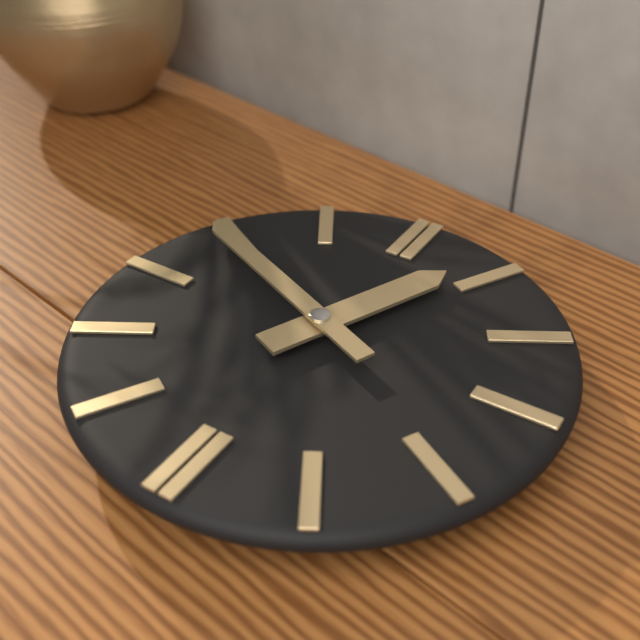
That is h=12 m=49
